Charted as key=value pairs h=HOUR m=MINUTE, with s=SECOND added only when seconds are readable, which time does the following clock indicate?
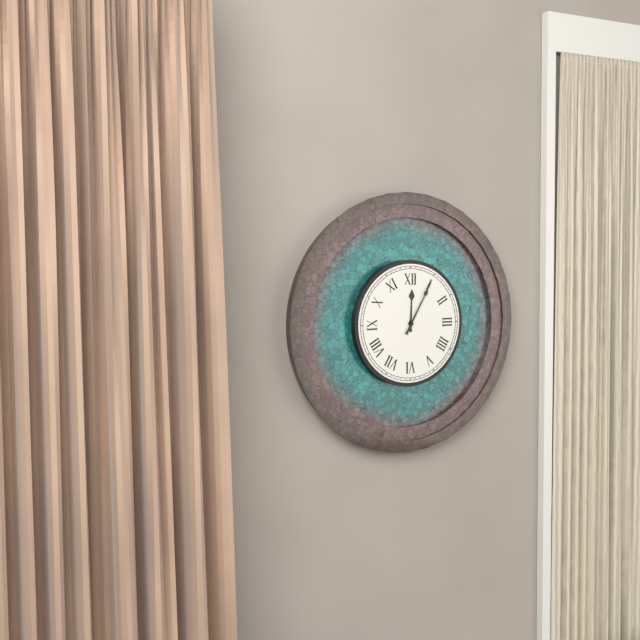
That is h=12 m=5
